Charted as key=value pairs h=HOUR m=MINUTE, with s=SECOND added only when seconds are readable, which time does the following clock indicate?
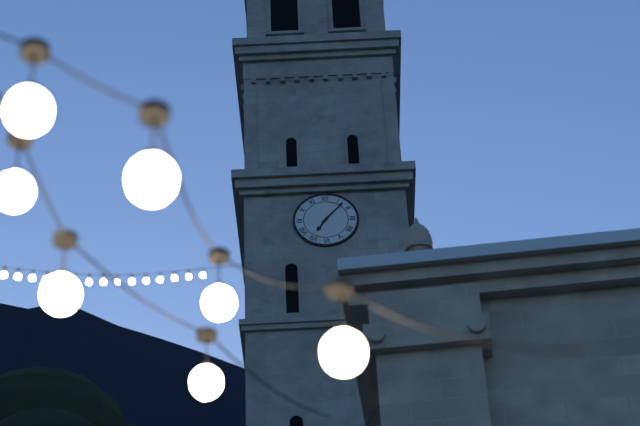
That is h=7 m=7
